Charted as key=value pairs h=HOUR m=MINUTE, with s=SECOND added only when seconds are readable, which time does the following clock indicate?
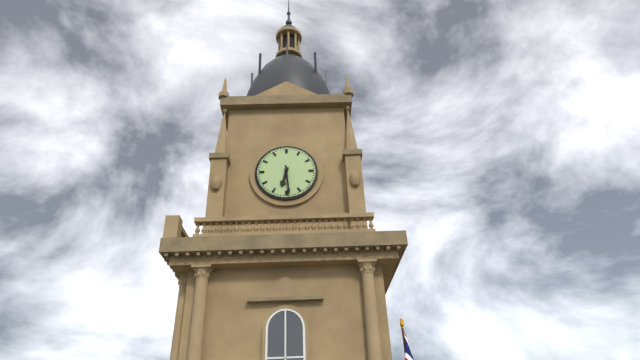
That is h=6 m=29
